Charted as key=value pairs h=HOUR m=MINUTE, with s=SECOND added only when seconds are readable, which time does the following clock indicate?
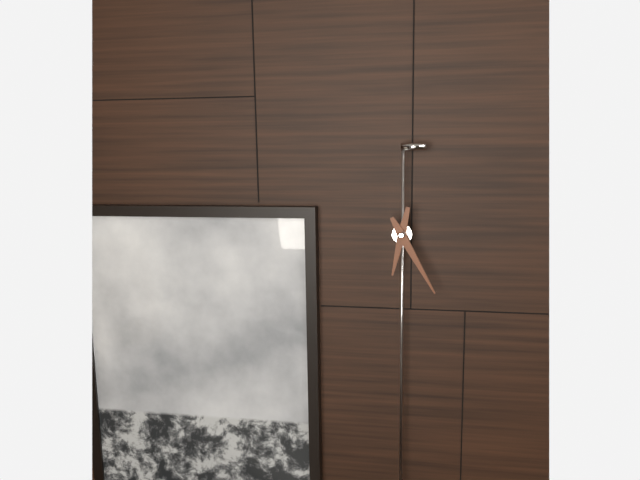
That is h=6 m=25
